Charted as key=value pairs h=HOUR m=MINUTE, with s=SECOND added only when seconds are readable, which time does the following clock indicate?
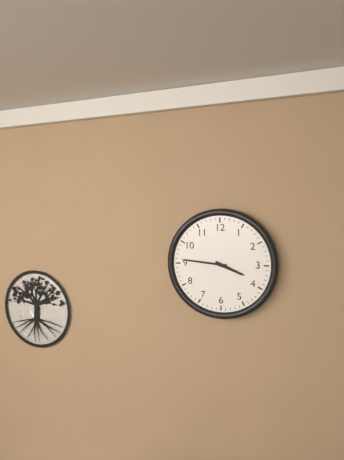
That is h=3 m=46
